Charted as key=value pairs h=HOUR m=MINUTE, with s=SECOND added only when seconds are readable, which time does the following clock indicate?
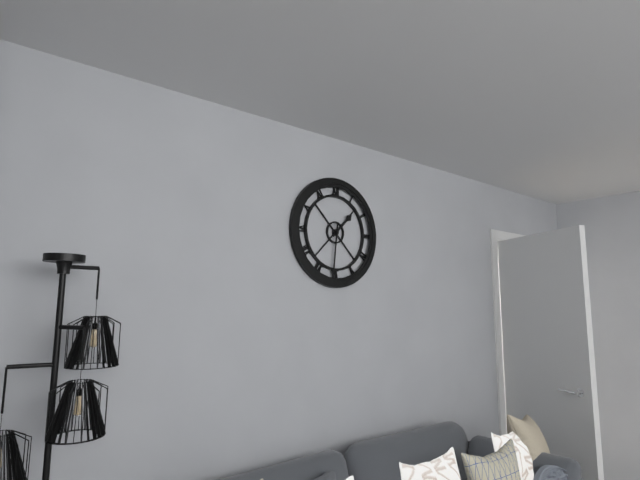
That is h=1 m=31
